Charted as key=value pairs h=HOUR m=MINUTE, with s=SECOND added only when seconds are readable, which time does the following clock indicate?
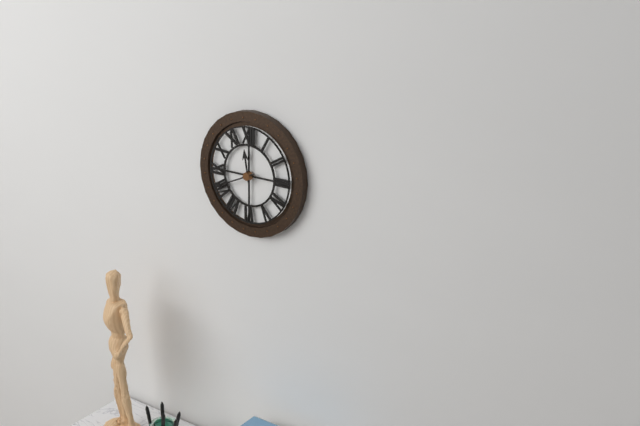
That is h=11 m=41
